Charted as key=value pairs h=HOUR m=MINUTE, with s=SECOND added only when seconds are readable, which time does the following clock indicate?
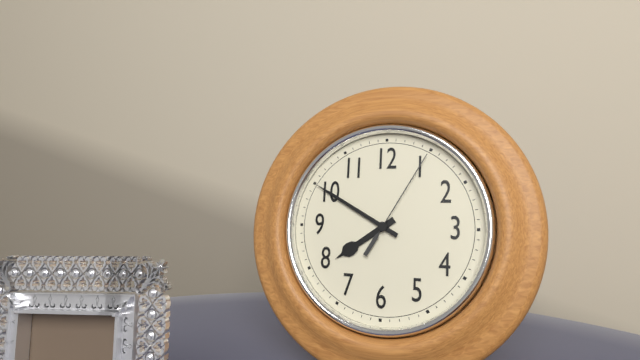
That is h=7 m=50 s=5
